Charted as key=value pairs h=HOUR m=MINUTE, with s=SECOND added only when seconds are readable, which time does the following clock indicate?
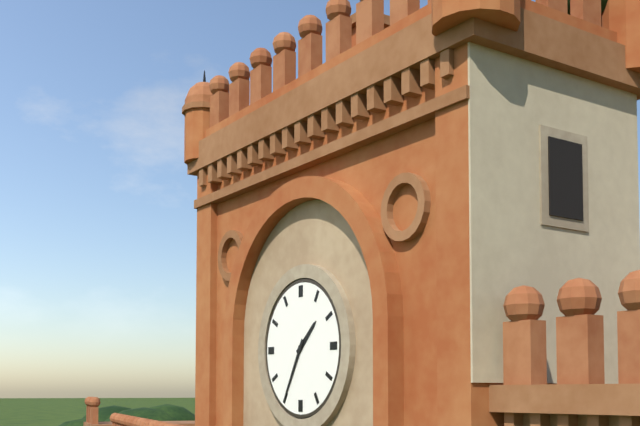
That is h=1 m=35
